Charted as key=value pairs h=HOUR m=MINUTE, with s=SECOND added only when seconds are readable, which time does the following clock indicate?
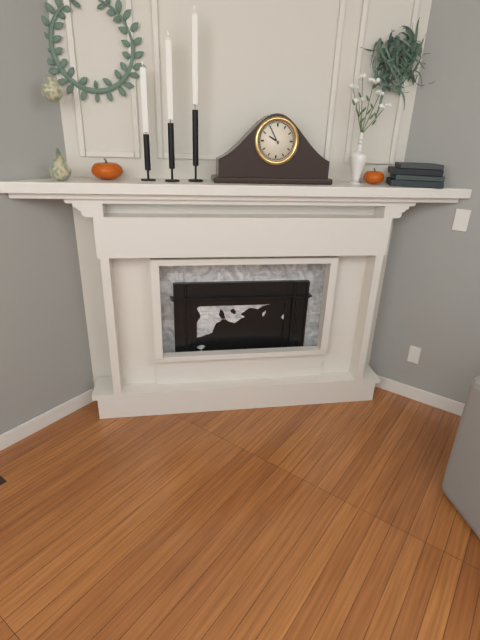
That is h=9 m=55
